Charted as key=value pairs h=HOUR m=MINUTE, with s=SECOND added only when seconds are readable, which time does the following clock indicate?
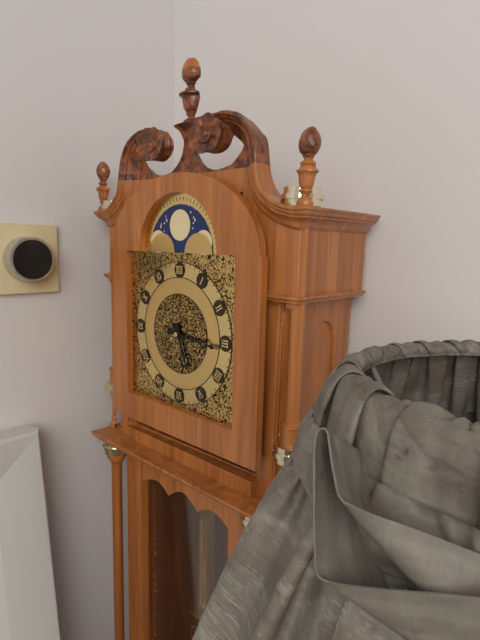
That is h=5 m=16
